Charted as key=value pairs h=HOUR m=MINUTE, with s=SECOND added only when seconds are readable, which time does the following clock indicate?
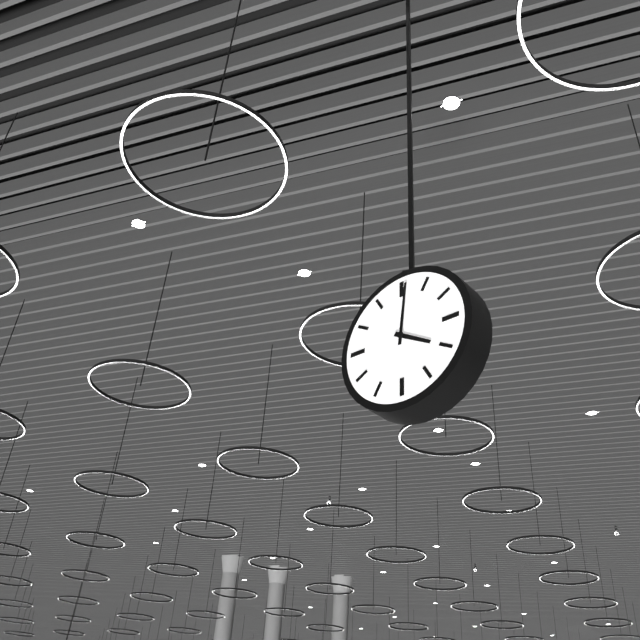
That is h=4 m=1
